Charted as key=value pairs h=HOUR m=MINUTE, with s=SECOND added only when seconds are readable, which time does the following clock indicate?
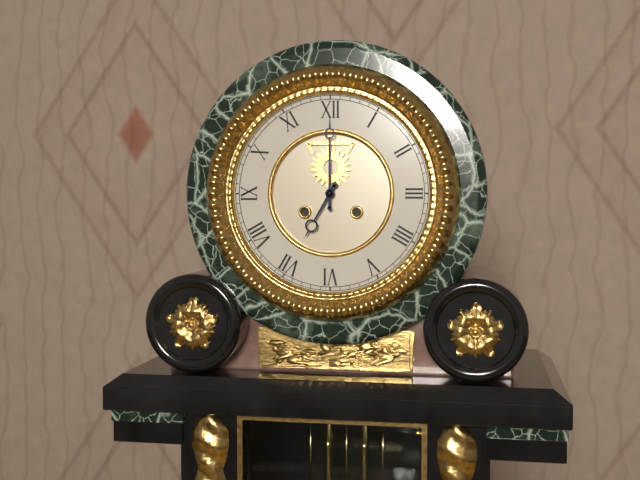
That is h=7 m=0
